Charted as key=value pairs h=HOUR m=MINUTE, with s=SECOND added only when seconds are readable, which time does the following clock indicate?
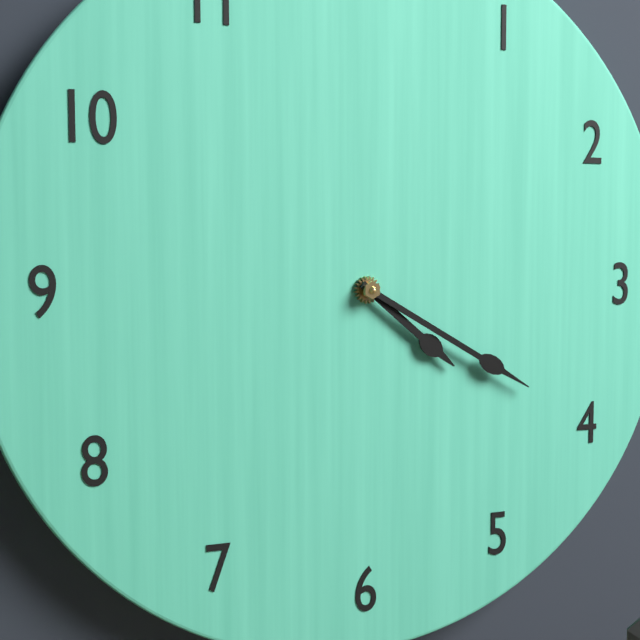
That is h=4 m=20
